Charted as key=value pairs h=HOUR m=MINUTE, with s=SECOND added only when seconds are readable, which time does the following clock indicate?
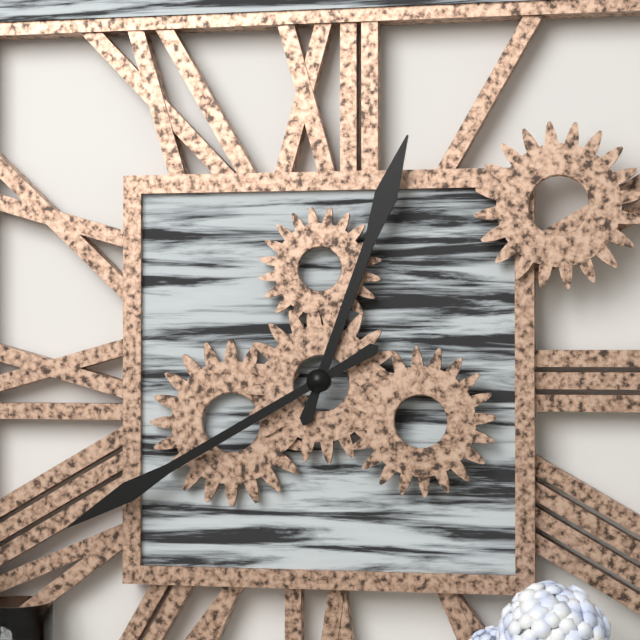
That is h=12 m=40
